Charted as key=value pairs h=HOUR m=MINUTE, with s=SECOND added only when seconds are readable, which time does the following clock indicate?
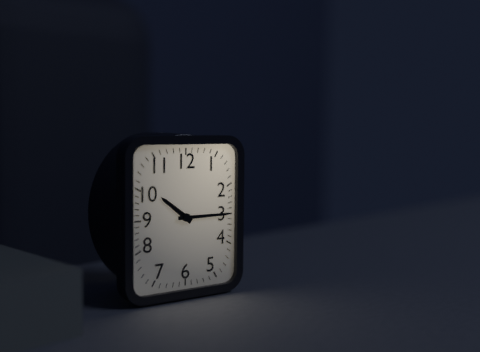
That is h=10 m=15
